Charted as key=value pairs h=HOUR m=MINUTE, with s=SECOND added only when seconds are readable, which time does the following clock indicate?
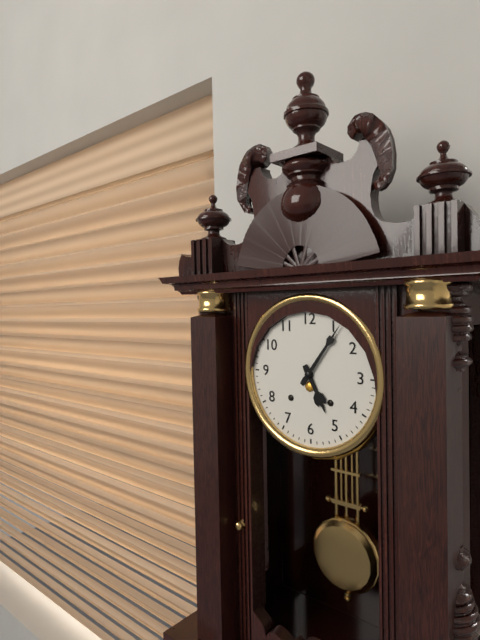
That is h=5 m=6
